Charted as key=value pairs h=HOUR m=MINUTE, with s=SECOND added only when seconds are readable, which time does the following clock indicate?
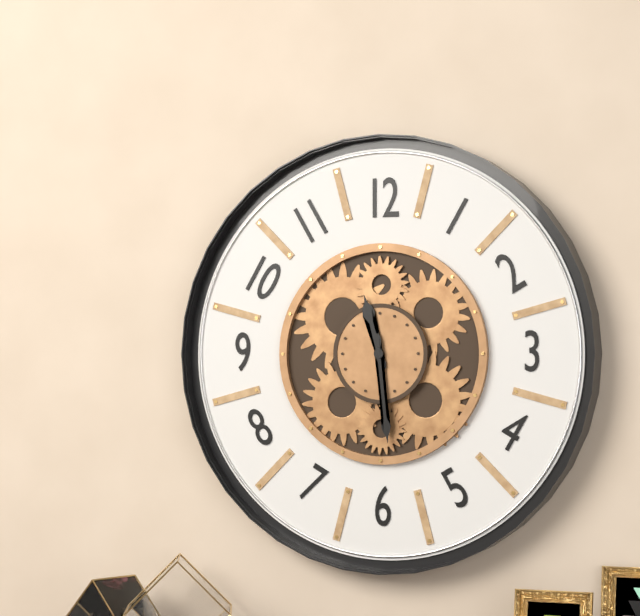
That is h=11 m=29
